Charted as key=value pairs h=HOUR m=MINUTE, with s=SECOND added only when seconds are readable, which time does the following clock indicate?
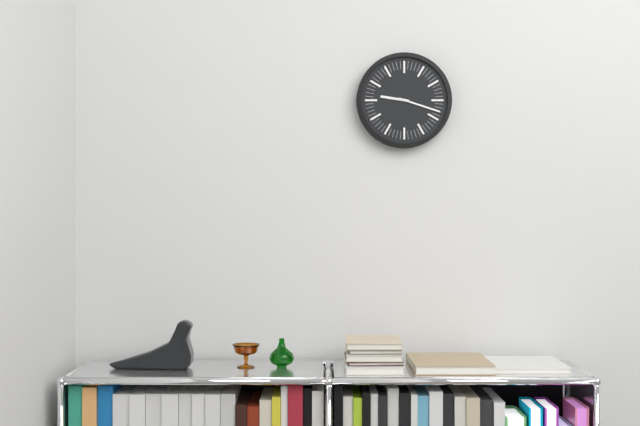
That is h=9 m=18
